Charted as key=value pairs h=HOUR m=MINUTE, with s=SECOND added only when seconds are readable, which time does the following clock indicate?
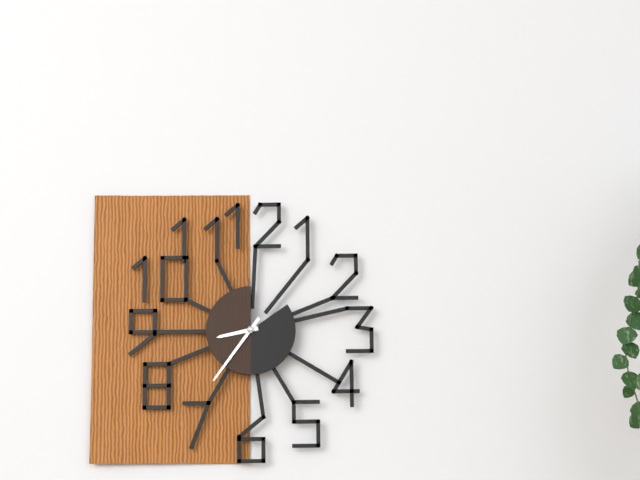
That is h=8 m=36
